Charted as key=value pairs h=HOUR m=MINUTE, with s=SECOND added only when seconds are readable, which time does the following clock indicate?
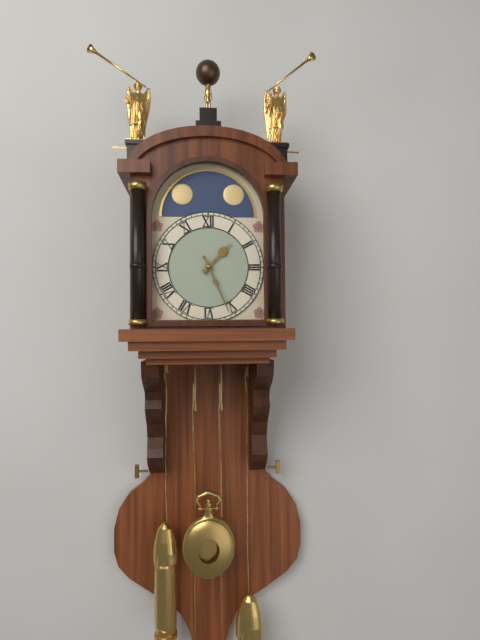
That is h=1 m=26
